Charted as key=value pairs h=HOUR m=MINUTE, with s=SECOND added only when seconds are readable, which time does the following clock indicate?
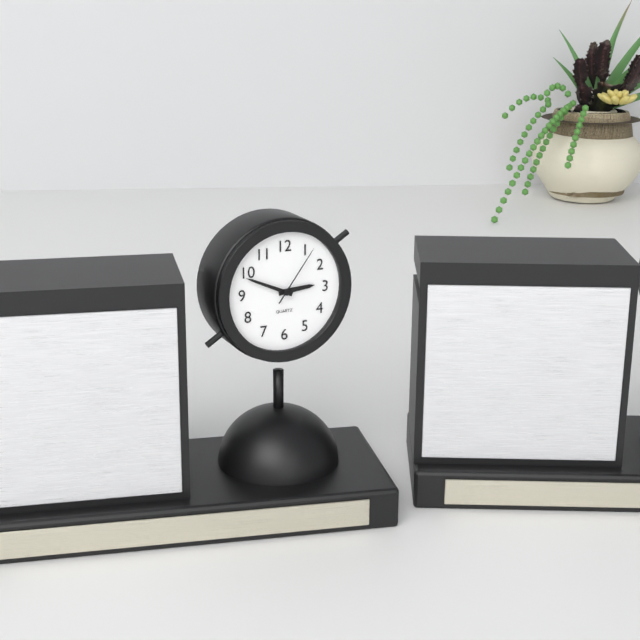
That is h=2 m=49 s=6
